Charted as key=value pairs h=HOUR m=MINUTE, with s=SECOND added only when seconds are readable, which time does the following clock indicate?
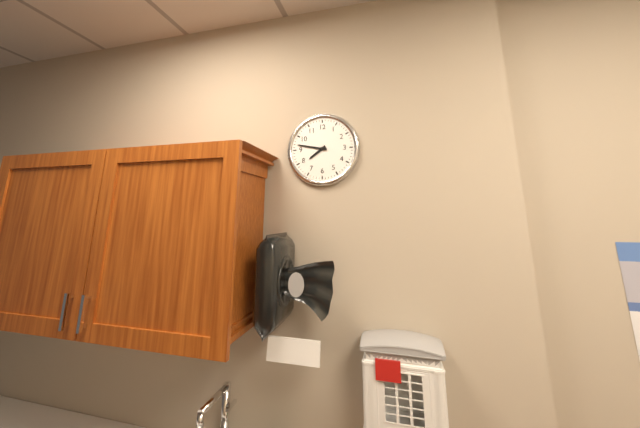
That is h=7 m=47
